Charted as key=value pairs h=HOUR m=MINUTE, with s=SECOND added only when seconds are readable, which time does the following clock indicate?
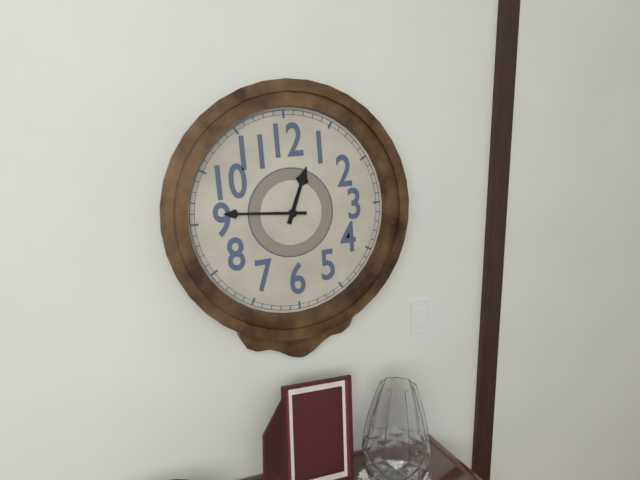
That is h=12 m=46
